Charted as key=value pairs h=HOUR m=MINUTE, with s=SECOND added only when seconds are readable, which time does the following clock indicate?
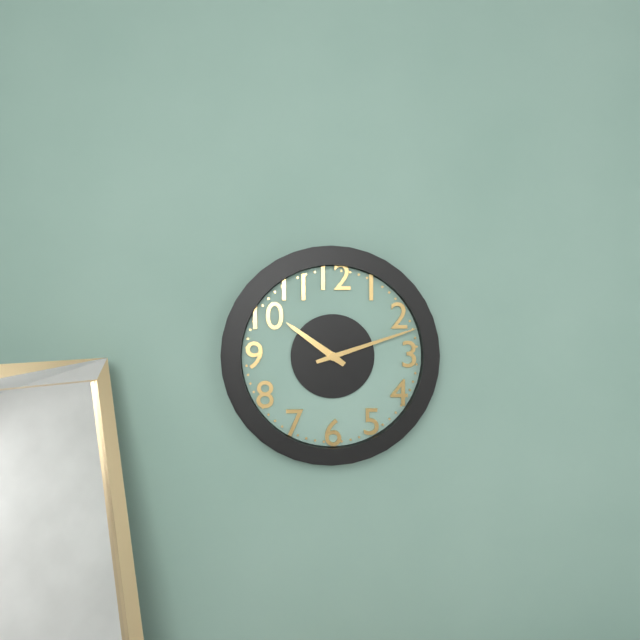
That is h=10 m=12
